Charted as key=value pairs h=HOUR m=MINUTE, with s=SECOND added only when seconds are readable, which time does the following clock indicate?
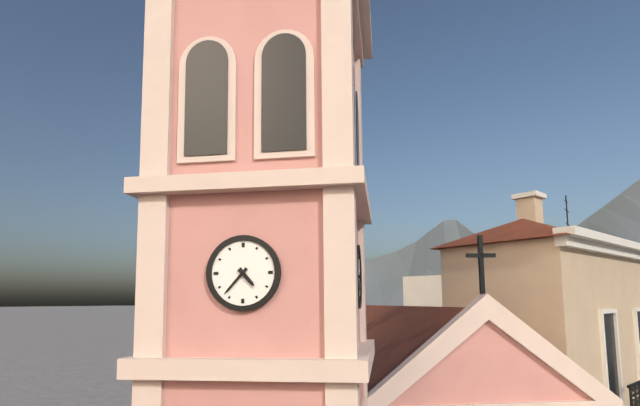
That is h=4 m=37
